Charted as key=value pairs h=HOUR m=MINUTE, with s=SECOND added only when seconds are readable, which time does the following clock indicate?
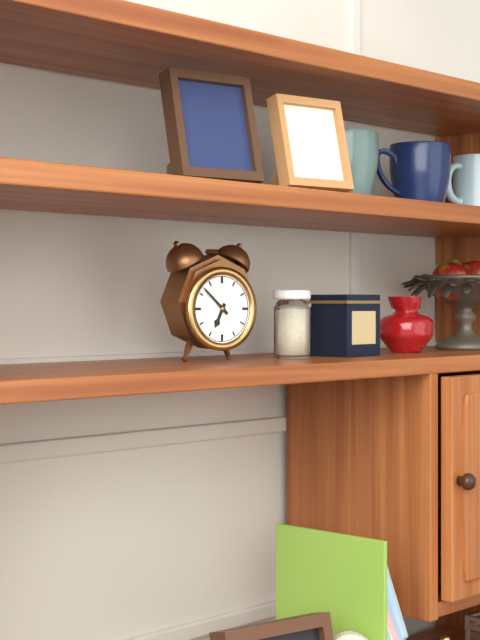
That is h=6 m=52
